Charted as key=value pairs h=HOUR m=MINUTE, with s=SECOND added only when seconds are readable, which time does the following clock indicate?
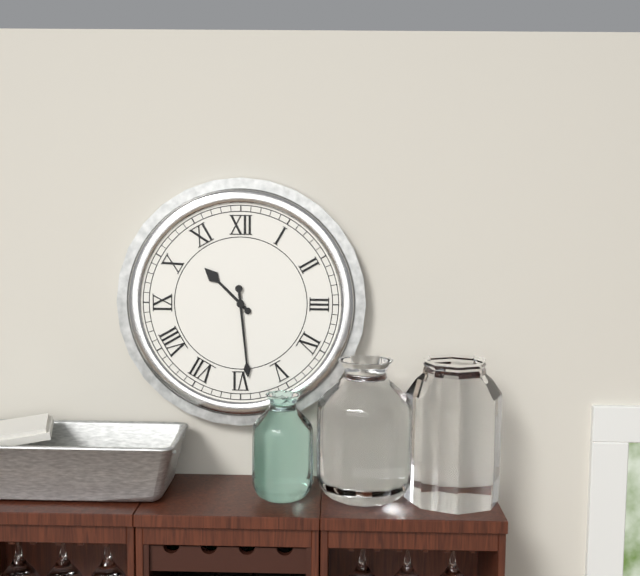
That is h=10 m=29
